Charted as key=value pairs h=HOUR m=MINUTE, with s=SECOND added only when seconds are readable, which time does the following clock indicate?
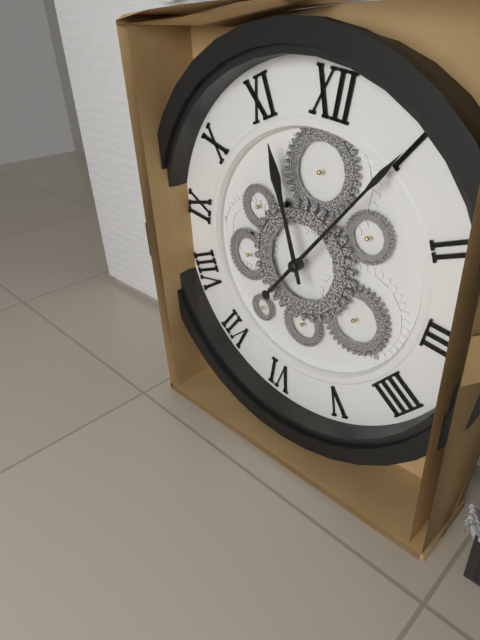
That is h=11 m=5
